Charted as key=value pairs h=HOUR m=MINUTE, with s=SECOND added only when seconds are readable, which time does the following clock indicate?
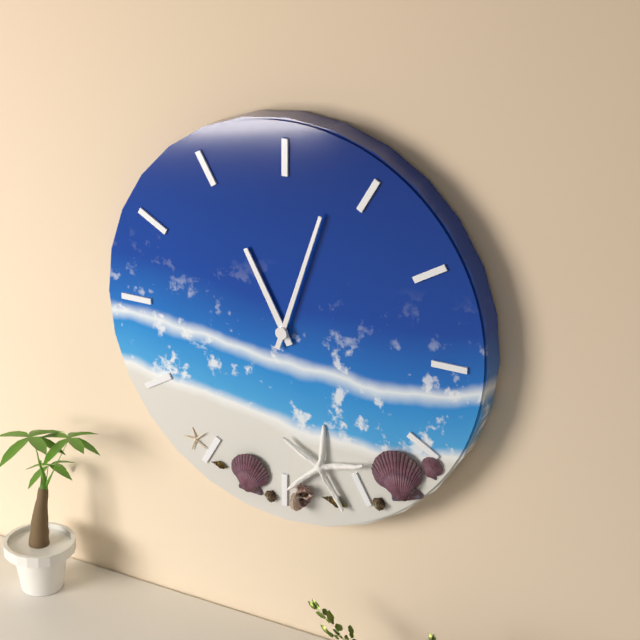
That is h=11 m=3
